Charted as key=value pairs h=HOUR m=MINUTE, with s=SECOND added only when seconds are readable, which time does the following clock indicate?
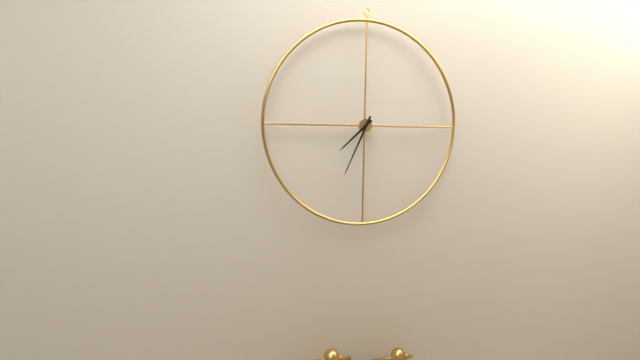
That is h=7 m=34
